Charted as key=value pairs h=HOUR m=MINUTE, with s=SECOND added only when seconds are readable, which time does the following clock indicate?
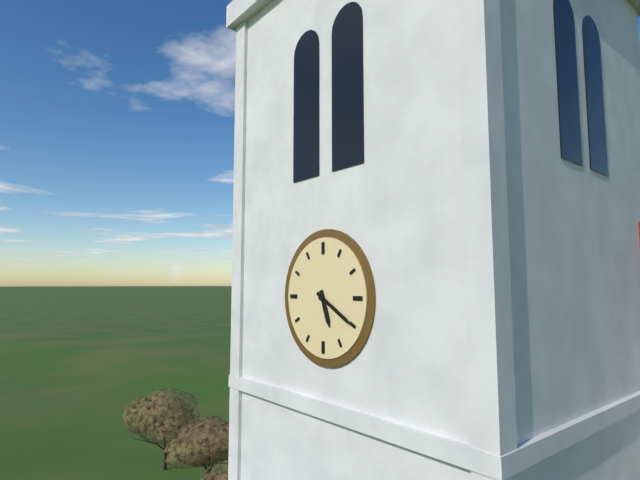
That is h=5 m=20
